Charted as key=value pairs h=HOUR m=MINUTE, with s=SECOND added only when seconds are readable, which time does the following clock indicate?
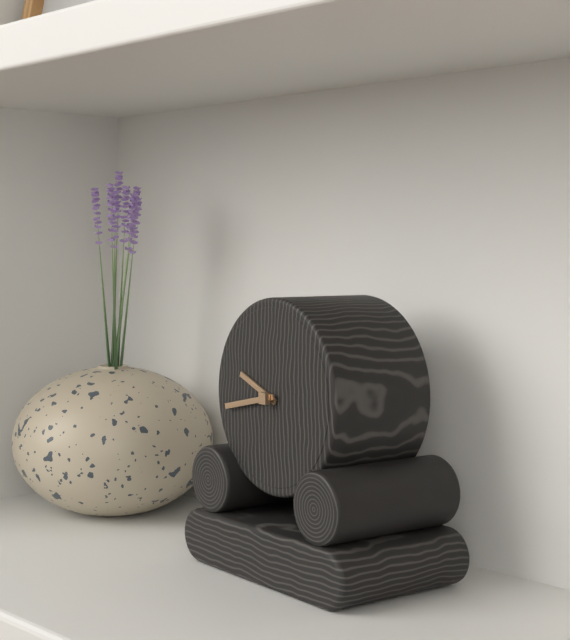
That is h=9 m=43
